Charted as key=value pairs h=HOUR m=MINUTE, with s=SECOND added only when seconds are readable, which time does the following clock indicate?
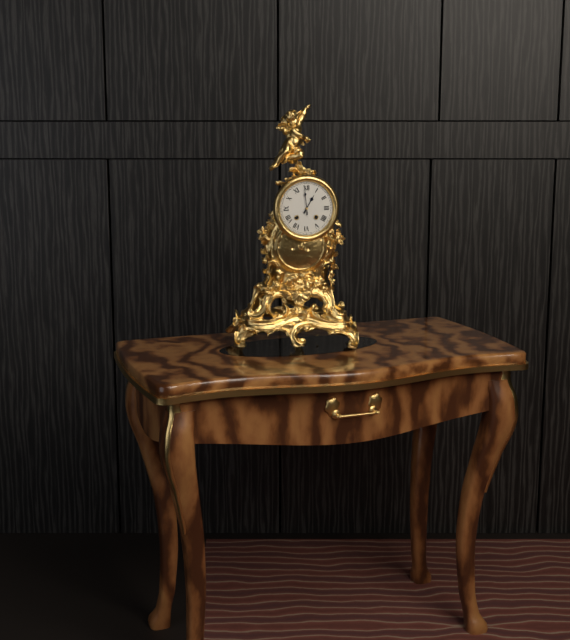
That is h=12 m=59
